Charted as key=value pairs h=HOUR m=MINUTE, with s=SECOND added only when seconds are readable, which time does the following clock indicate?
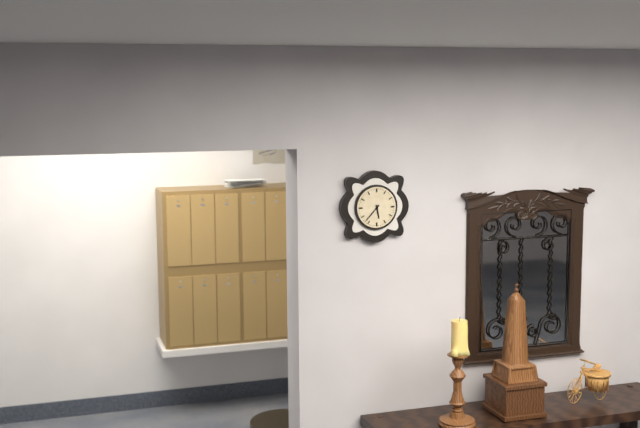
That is h=5 m=37
